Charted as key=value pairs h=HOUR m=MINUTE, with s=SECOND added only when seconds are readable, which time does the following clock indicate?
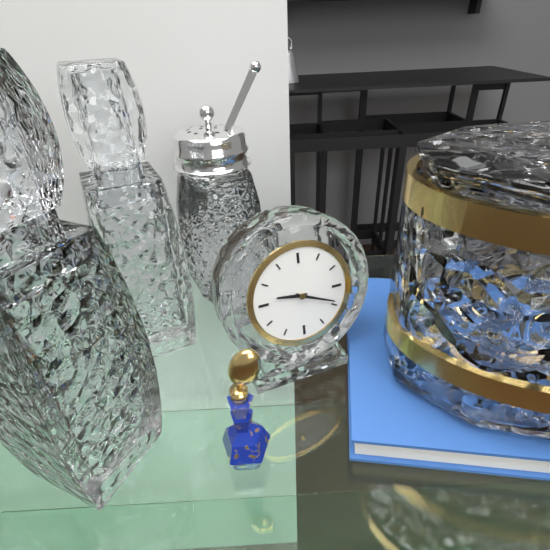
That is h=9 m=19
